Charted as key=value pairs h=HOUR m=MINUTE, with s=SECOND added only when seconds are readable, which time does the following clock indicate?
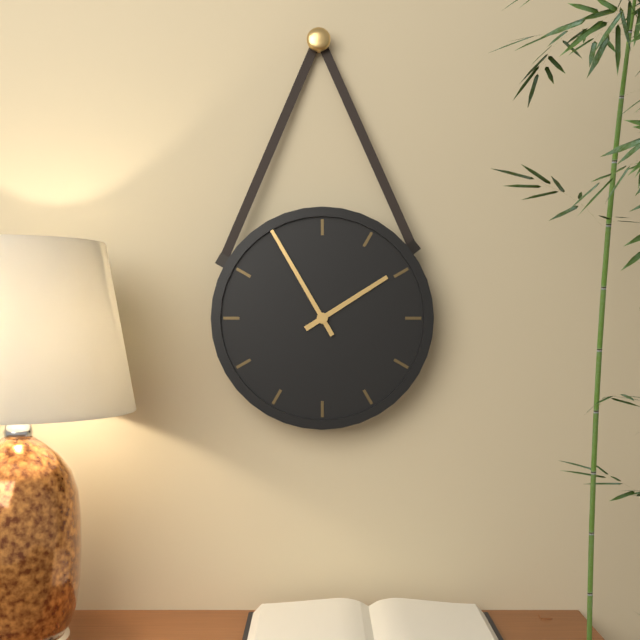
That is h=1 m=55
